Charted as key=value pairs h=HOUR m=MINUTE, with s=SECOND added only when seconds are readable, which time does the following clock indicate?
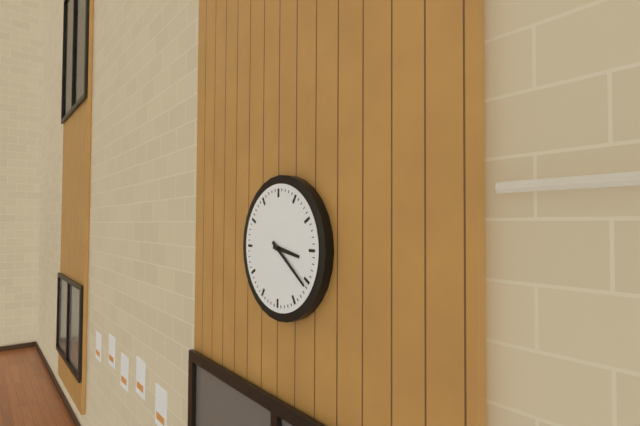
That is h=3 m=21
